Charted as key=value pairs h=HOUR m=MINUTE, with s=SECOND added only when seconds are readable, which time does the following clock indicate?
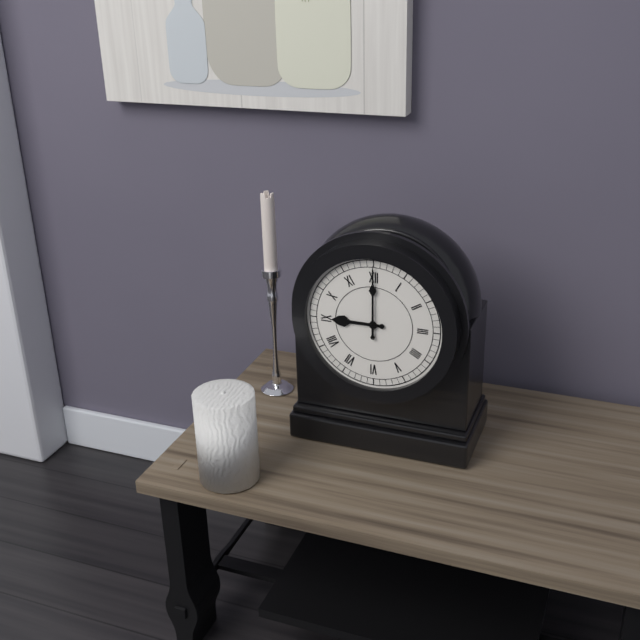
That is h=9 m=0
